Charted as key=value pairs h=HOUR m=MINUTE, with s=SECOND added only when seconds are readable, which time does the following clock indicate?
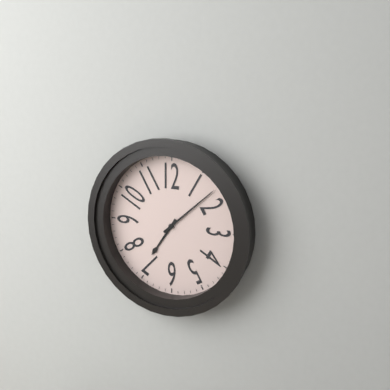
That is h=7 m=8
